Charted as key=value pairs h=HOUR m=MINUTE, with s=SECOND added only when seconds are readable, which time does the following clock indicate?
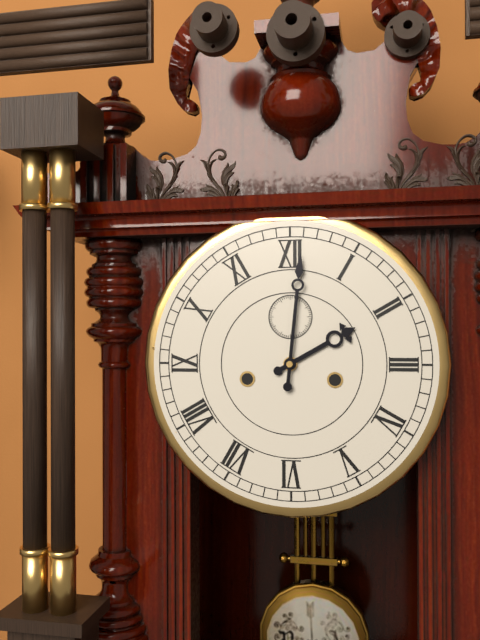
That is h=2 m=1
